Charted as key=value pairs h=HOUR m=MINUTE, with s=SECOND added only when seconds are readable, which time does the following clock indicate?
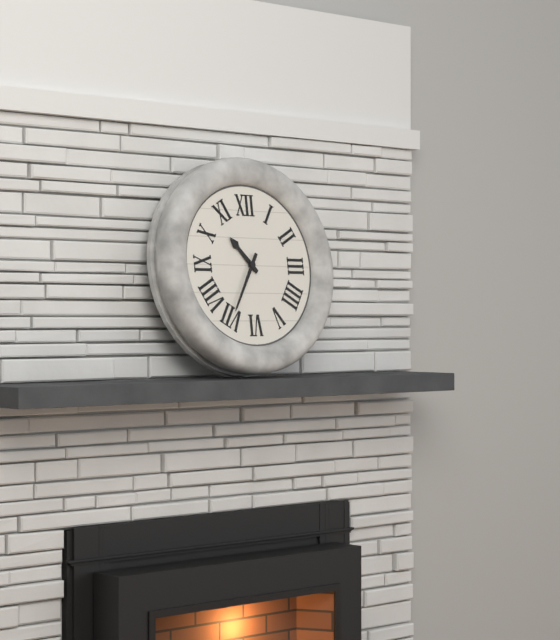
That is h=10 m=35
